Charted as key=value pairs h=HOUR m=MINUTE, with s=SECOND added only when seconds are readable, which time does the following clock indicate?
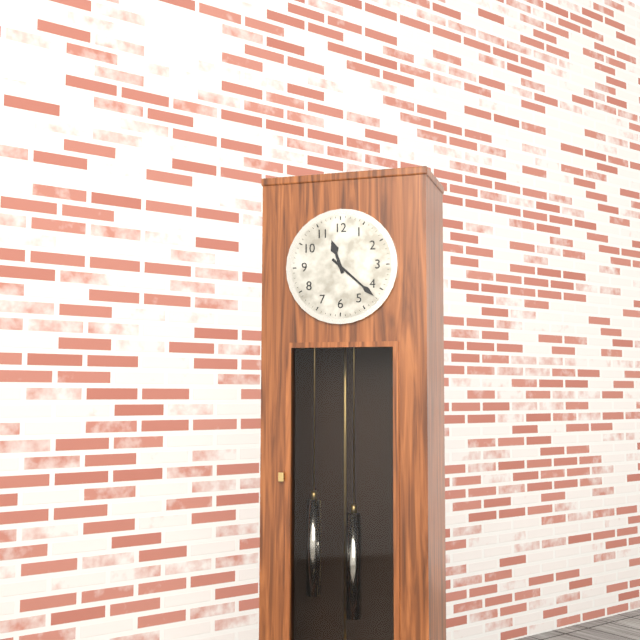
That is h=11 m=22
